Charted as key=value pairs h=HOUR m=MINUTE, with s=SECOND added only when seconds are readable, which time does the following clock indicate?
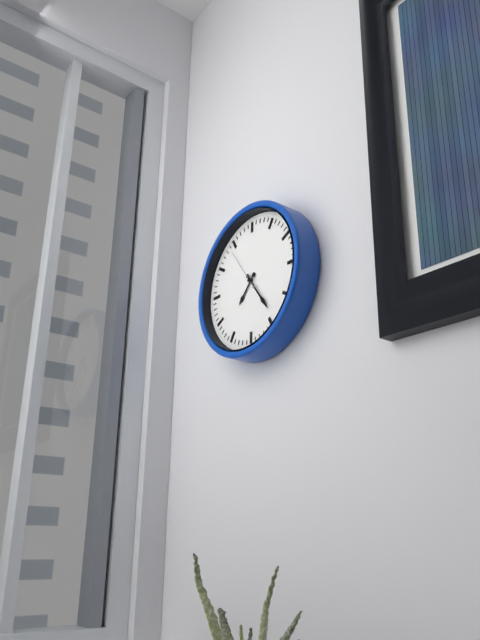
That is h=7 m=24 s=54
